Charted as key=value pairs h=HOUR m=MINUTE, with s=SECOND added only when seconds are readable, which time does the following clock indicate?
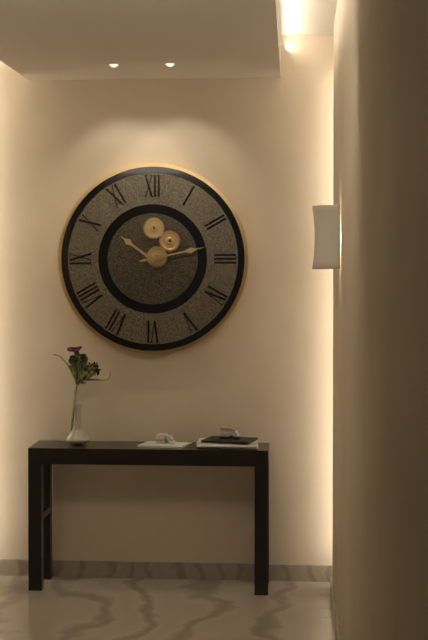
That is h=10 m=13
